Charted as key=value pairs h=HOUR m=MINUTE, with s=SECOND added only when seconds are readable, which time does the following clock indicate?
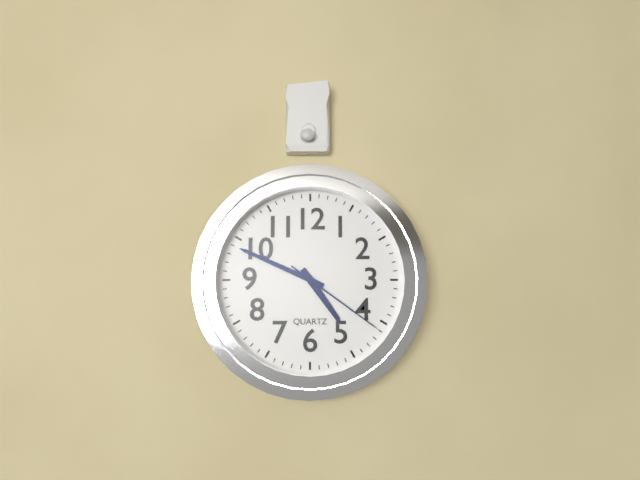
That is h=4 m=49 s=21
